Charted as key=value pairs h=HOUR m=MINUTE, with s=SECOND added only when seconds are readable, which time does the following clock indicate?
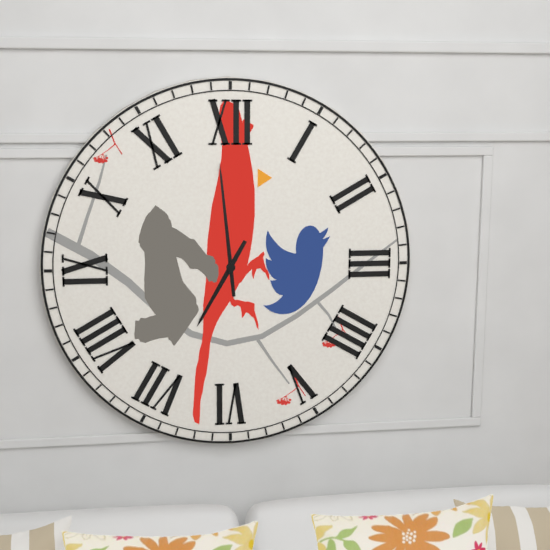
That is h=6 m=59
